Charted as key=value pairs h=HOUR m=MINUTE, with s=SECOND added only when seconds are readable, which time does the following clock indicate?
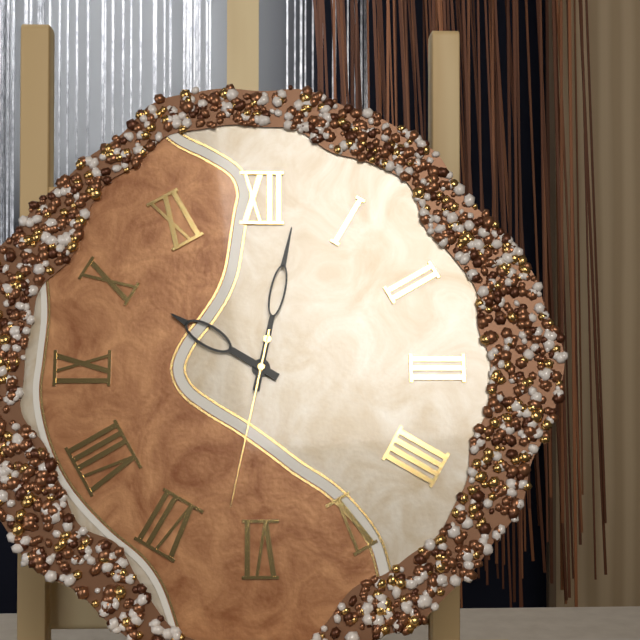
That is h=10 m=2 s=32
